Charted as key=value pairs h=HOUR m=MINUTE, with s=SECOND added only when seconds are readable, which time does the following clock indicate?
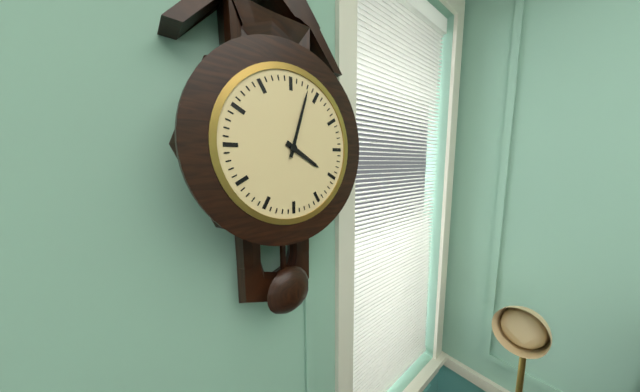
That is h=4 m=3
